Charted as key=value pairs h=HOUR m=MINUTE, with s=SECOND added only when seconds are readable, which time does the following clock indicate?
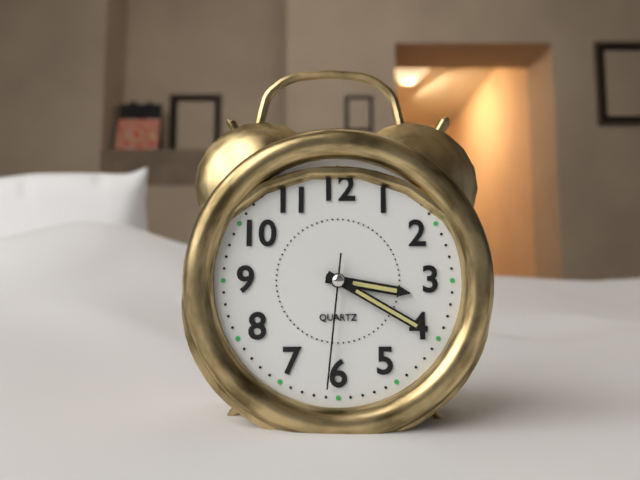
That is h=3 m=20 s=31
